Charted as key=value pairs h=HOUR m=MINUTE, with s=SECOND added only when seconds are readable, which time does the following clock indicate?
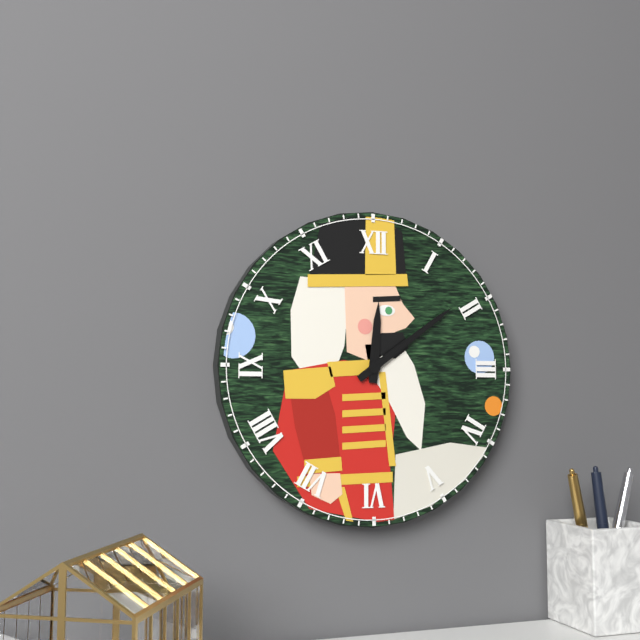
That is h=12 m=9
